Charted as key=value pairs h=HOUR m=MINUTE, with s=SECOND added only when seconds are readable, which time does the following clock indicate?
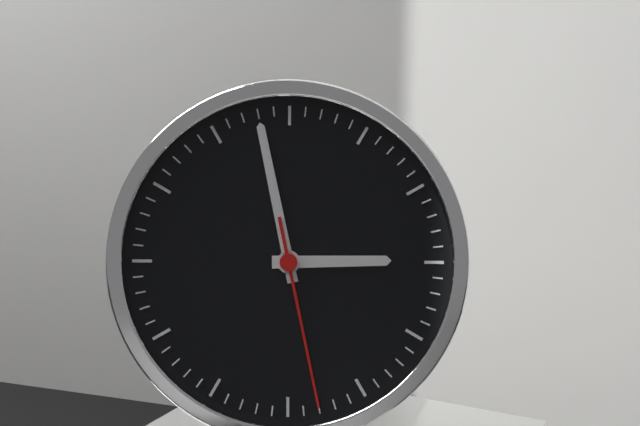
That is h=2 m=58 s=28
